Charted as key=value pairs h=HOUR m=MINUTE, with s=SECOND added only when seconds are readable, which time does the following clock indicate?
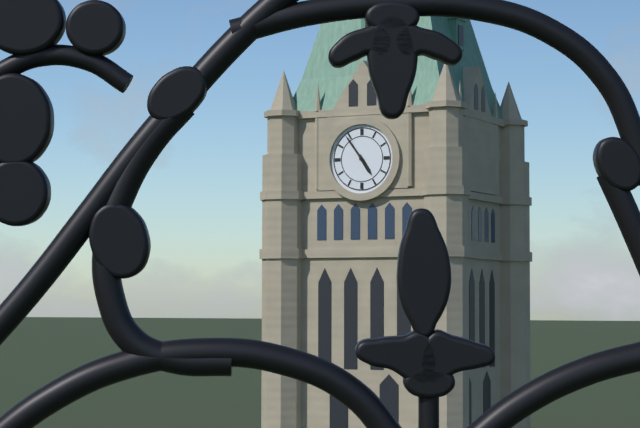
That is h=4 m=54
